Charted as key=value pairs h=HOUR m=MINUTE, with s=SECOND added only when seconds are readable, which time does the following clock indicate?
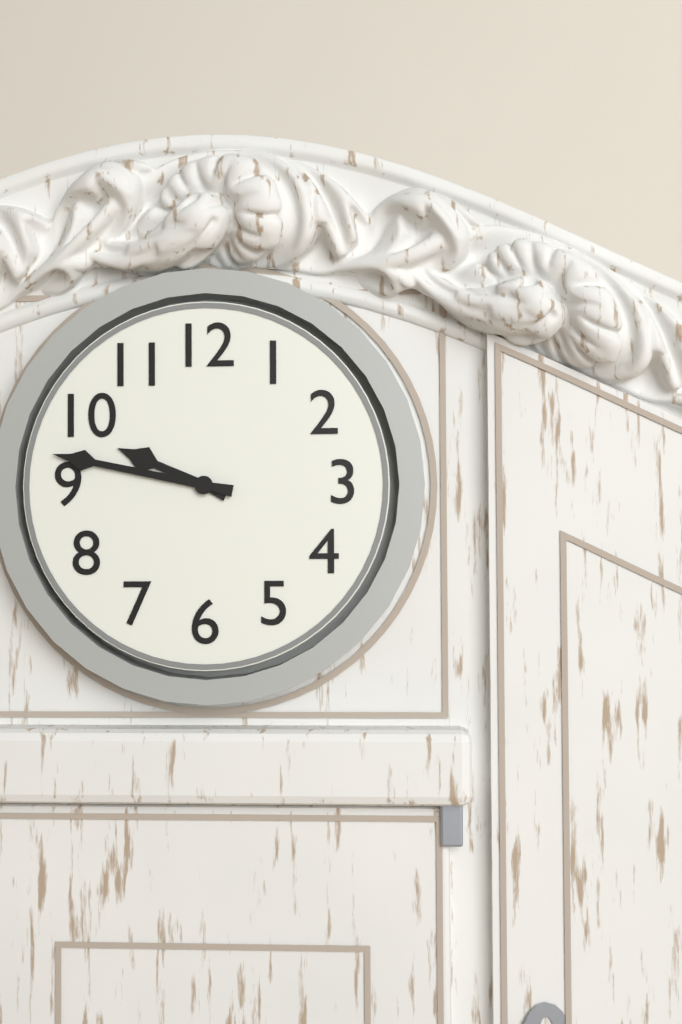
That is h=9 m=47
